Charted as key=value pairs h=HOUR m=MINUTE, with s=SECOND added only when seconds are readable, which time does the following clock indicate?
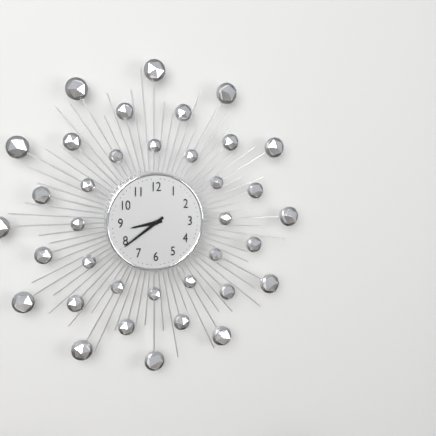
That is h=8 m=39
